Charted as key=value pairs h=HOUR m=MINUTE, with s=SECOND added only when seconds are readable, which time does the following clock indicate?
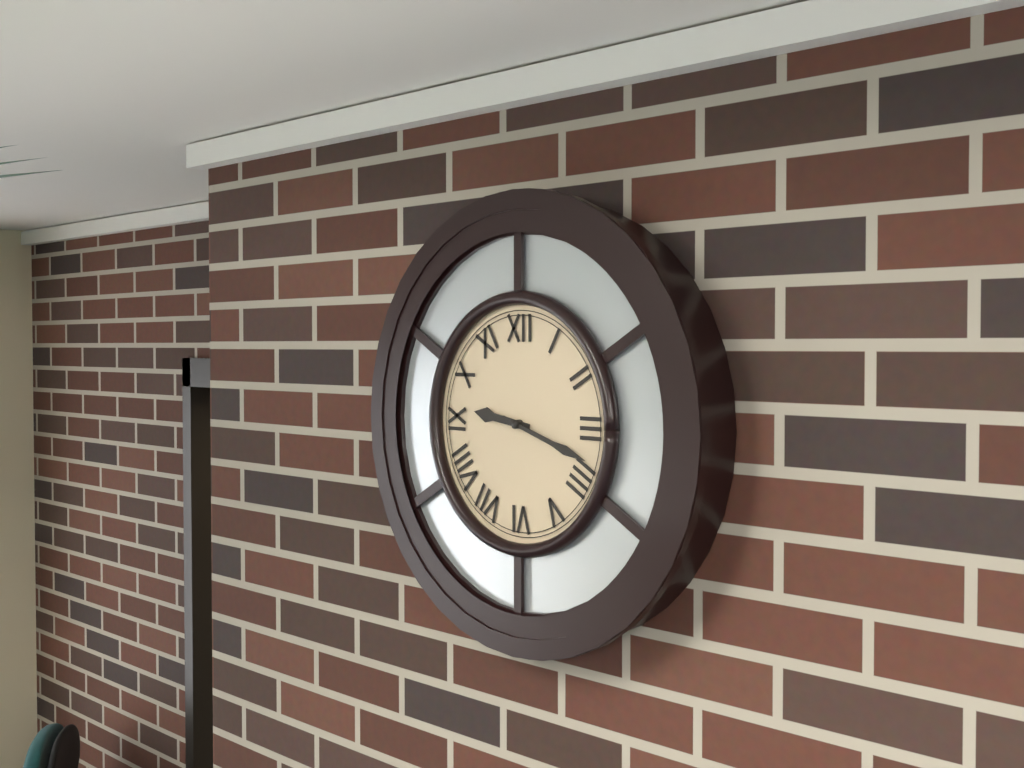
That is h=9 m=18
